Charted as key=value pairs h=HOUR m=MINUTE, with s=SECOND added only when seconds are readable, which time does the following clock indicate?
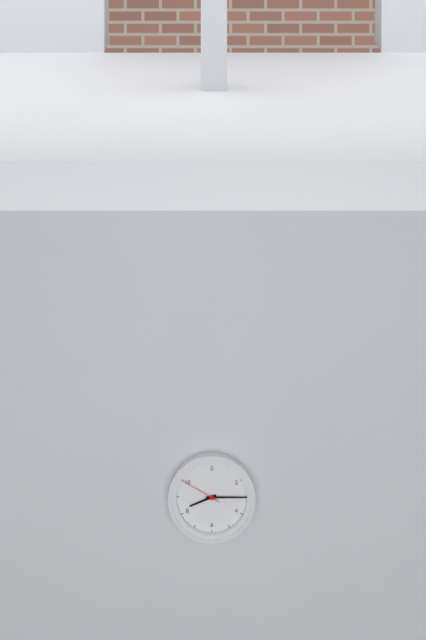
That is h=8 m=15
